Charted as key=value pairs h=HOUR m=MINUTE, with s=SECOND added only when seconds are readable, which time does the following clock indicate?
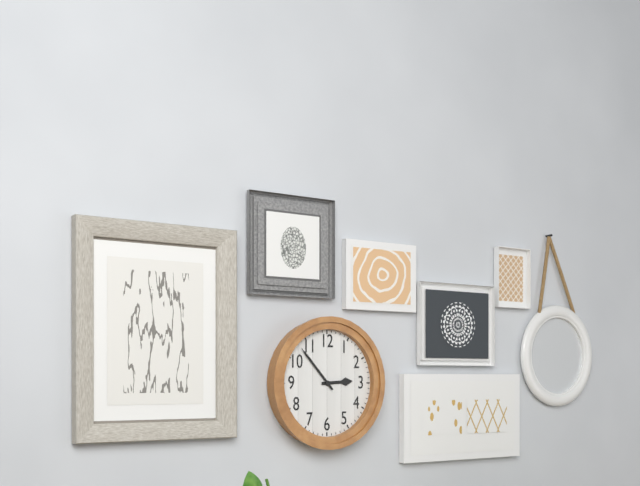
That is h=2 m=53
